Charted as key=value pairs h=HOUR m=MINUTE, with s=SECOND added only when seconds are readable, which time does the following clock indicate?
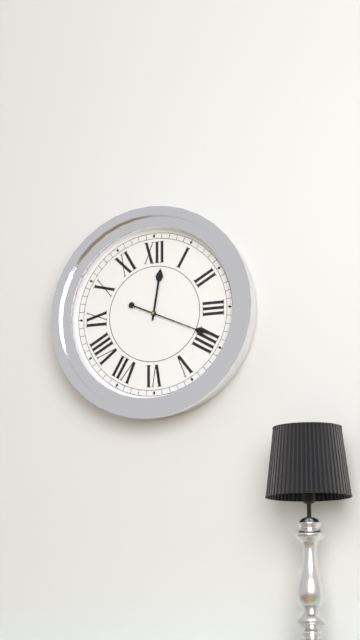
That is h=12 m=19
